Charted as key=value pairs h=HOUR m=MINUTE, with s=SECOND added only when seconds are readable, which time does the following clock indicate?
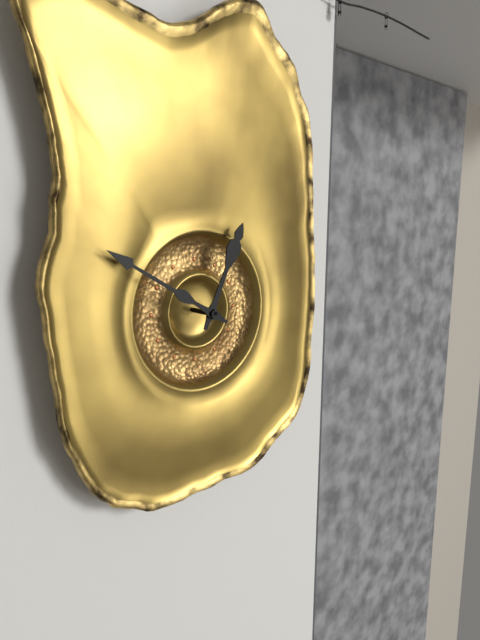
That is h=12 m=50
